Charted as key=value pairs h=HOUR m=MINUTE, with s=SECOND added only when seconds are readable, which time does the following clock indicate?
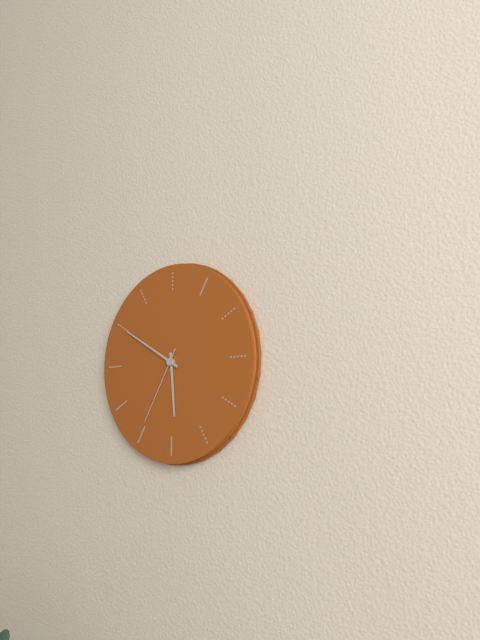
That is h=5 m=50 s=35
